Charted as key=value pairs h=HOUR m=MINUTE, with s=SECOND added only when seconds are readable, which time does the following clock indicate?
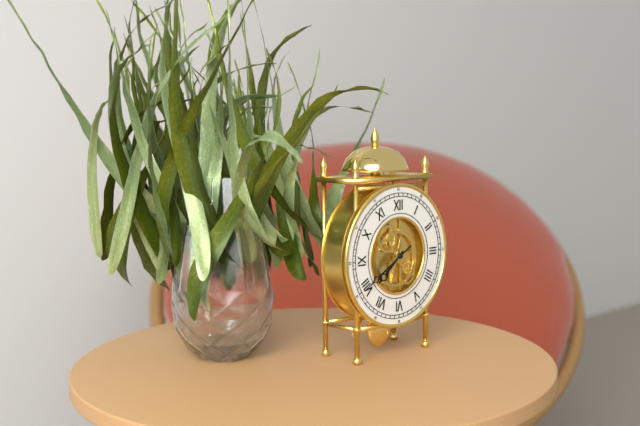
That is h=7 m=40
